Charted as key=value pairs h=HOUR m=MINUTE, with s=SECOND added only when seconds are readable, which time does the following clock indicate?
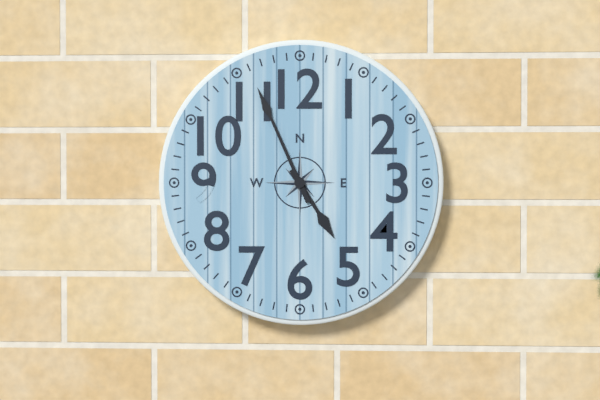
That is h=4 m=56
